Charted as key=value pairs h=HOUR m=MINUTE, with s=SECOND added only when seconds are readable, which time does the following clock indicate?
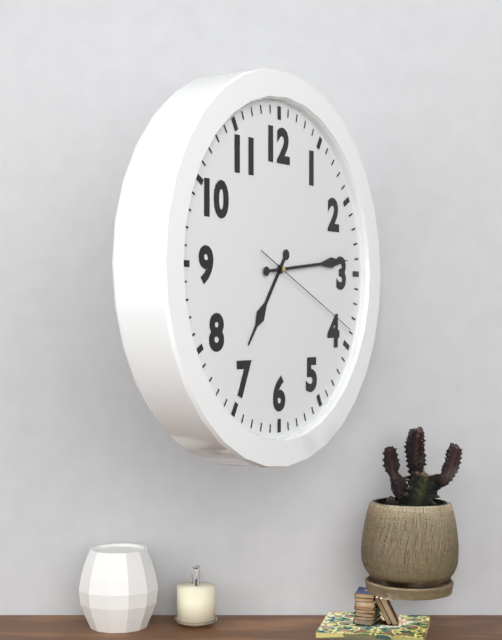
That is h=7 m=14 s=19
